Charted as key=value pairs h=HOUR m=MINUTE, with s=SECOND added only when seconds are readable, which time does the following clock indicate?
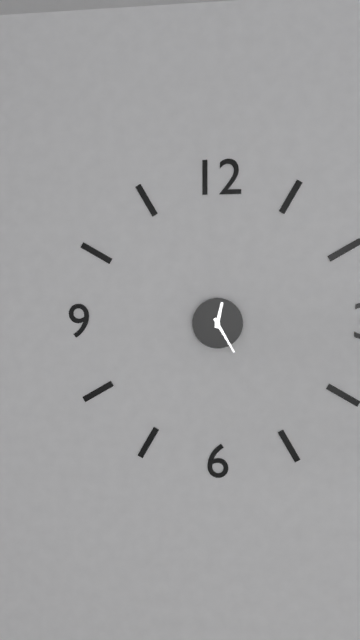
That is h=12 m=25
